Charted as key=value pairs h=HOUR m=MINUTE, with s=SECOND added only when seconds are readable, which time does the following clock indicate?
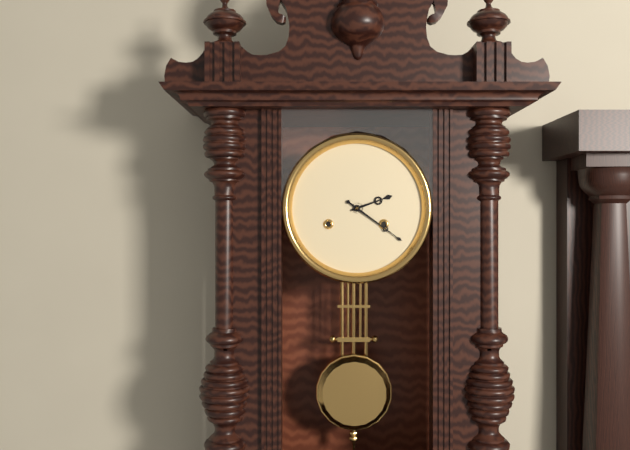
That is h=2 m=21
